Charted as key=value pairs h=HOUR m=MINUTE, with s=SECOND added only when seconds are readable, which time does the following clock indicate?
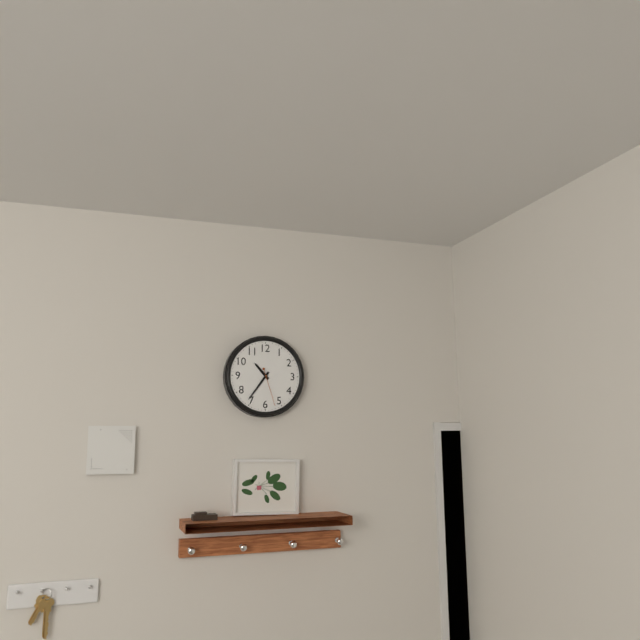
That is h=10 m=36
